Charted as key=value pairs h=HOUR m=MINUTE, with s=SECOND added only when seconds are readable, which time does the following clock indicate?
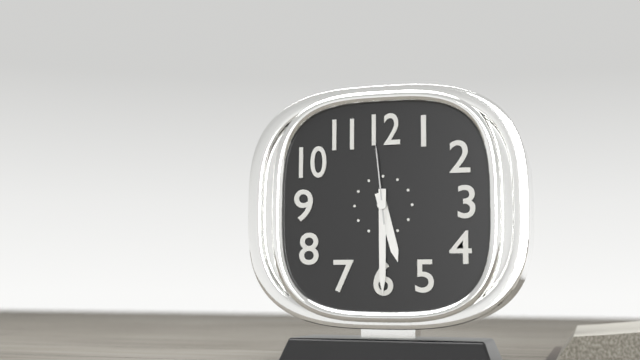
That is h=5 m=30 s=59
